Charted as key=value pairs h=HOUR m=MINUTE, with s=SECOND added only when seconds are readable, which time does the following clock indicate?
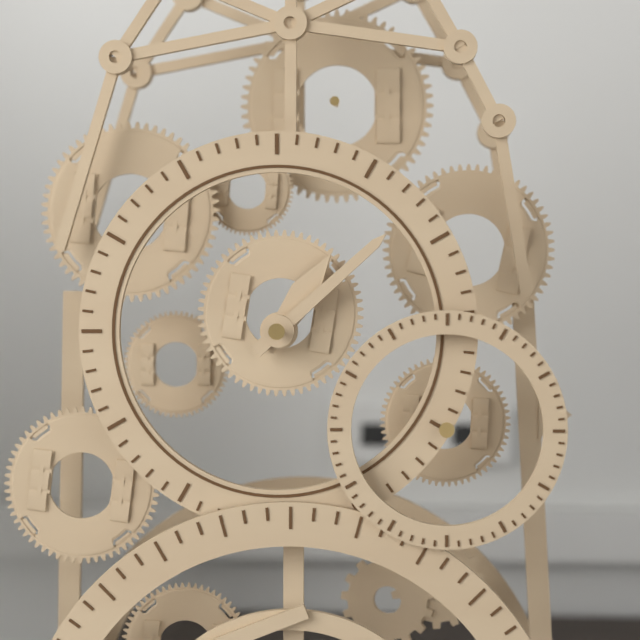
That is h=1 m=8
